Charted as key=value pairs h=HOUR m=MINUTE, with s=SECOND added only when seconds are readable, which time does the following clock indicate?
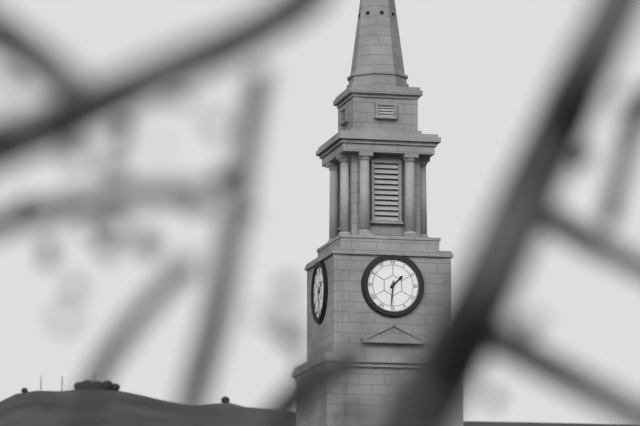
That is h=1 m=31
